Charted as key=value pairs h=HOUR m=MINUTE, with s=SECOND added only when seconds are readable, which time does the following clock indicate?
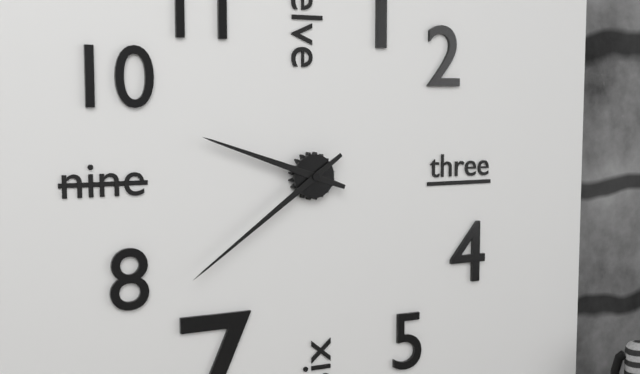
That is h=9 m=39
